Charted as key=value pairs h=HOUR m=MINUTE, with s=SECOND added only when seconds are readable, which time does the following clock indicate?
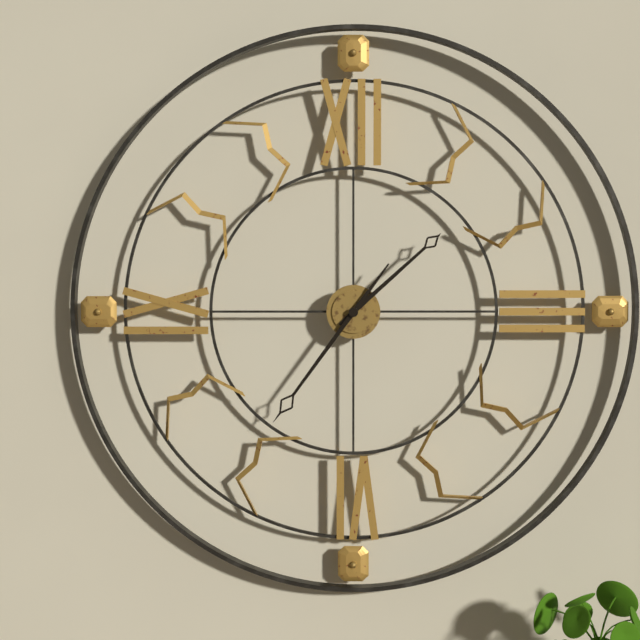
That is h=1 m=36
